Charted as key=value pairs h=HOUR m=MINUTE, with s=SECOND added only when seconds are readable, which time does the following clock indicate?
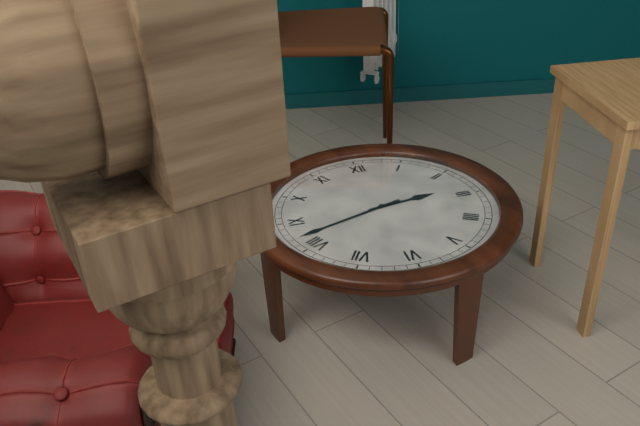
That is h=2 m=42
